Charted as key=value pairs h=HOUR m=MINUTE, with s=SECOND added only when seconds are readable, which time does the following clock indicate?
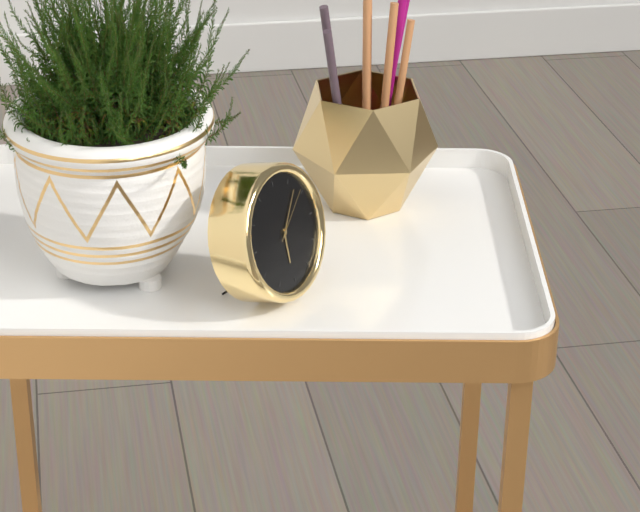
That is h=6 m=7 s=9
